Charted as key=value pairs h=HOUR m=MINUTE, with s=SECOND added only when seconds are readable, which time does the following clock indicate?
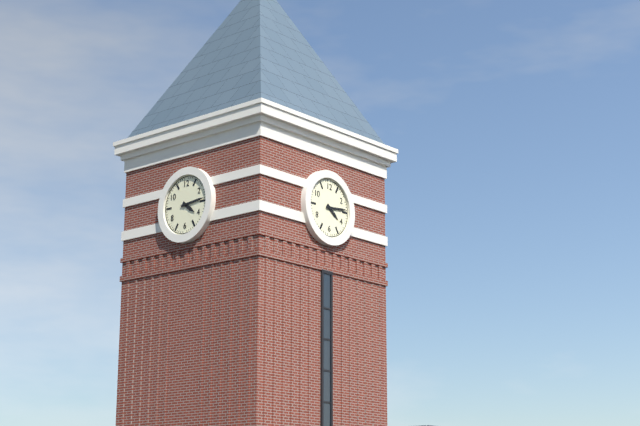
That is h=4 m=14
